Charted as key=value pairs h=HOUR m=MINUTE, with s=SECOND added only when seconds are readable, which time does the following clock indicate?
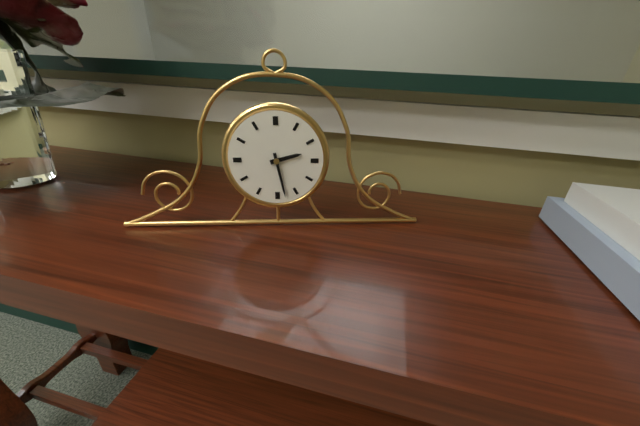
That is h=2 m=28
